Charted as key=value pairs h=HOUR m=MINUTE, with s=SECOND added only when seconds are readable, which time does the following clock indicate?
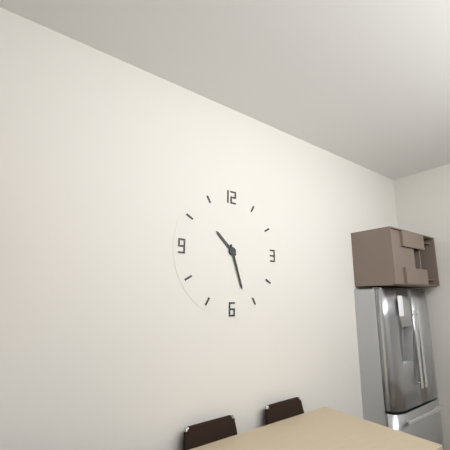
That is h=10 m=27
